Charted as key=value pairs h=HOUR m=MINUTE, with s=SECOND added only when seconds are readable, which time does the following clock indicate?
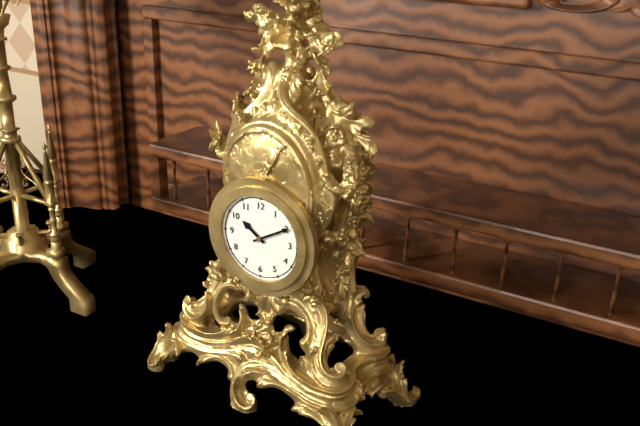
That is h=10 m=10
